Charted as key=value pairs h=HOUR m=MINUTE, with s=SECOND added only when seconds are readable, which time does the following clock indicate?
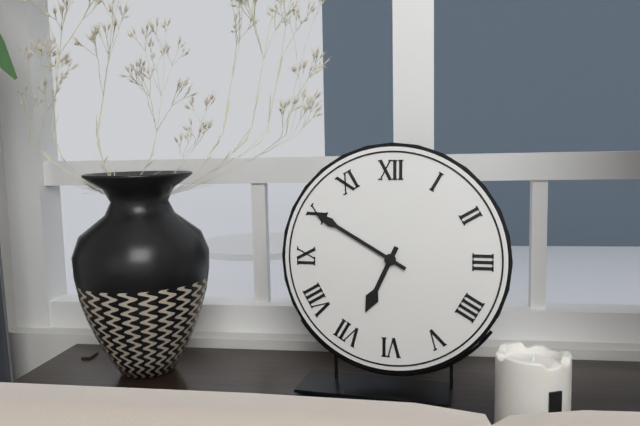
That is h=6 m=50
